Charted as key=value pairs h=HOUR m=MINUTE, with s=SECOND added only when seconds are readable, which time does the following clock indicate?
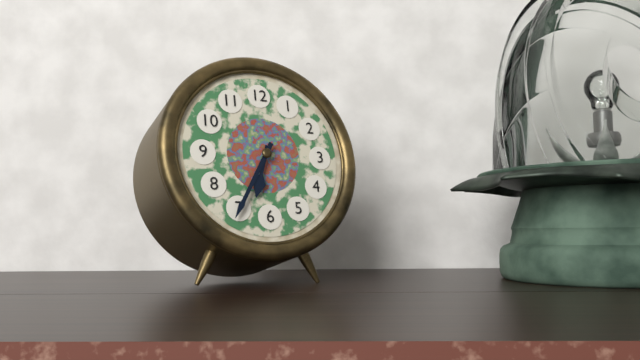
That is h=6 m=35
